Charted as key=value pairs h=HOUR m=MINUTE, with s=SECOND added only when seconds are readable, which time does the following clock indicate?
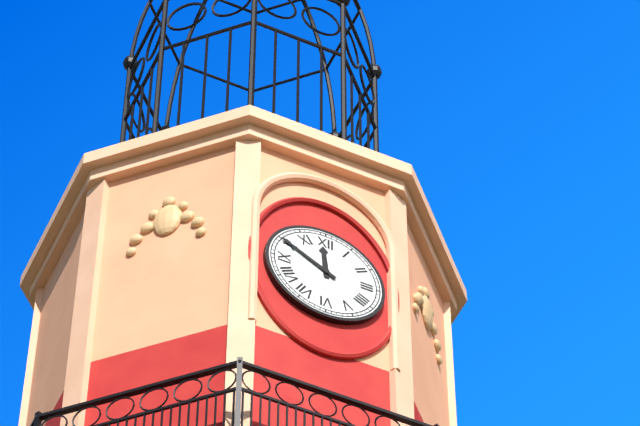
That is h=11 m=50
